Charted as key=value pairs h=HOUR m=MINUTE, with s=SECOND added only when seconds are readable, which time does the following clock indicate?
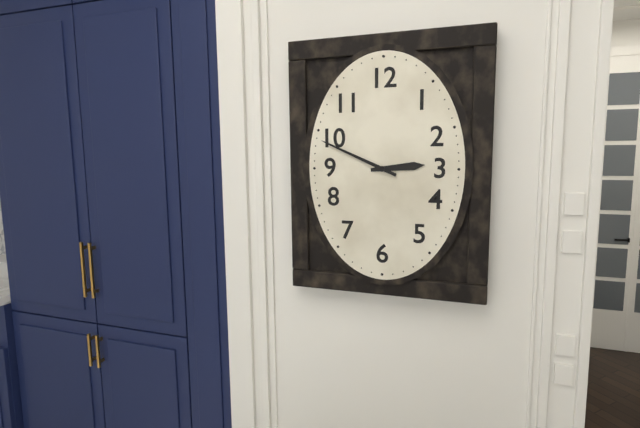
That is h=2 m=49
